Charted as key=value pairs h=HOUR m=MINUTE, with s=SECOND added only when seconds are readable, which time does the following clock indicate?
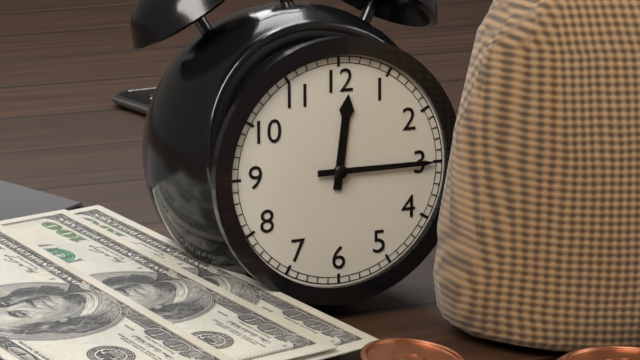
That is h=12 m=15
